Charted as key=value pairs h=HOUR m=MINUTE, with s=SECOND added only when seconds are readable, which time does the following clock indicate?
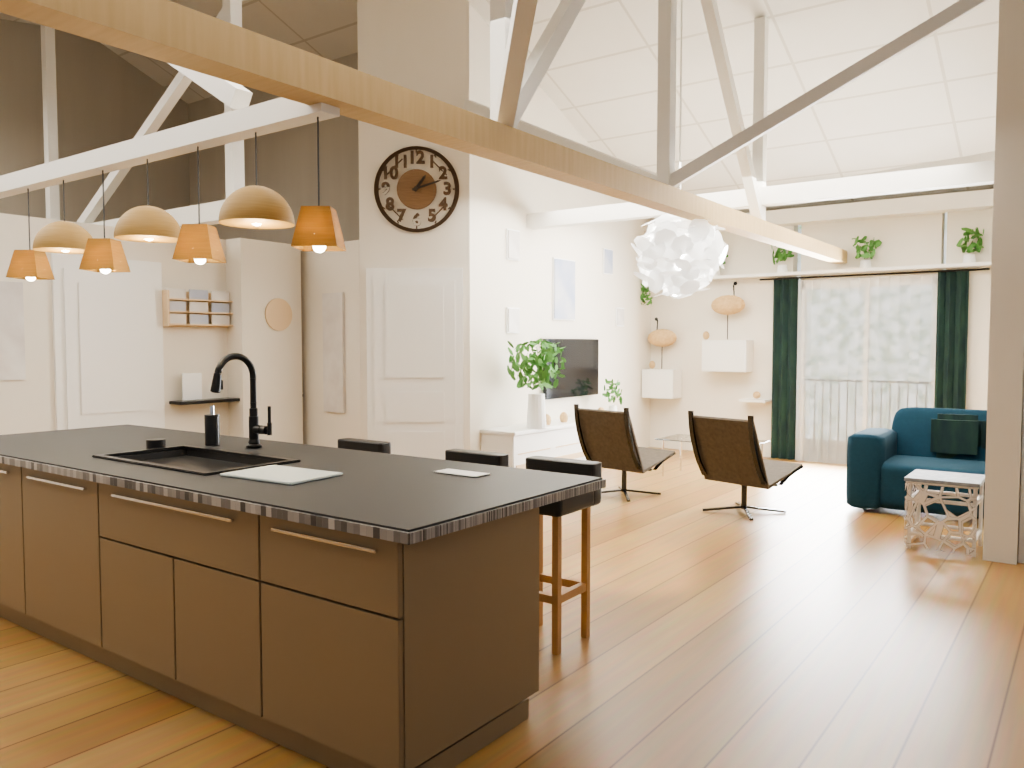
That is h=1 m=12
